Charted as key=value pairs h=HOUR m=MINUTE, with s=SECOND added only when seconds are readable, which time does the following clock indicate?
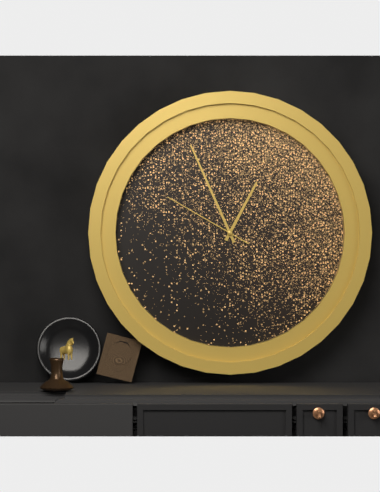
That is h=12 m=56 s=50
